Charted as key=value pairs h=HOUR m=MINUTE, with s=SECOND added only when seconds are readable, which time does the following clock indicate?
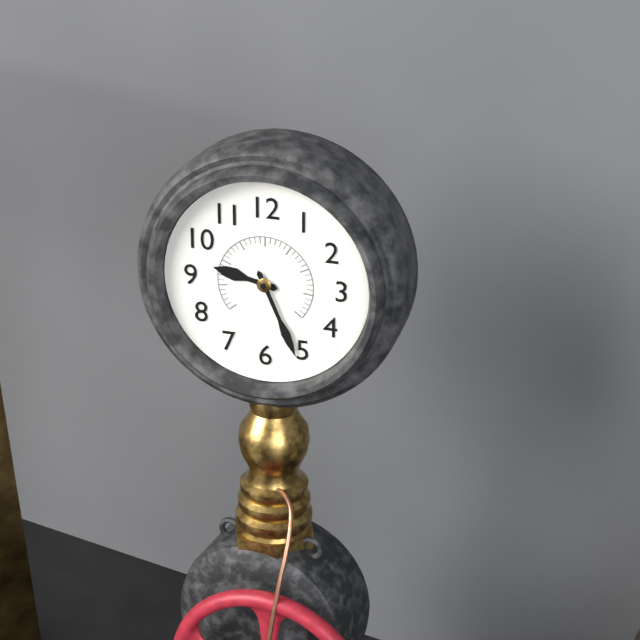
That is h=9 m=26
